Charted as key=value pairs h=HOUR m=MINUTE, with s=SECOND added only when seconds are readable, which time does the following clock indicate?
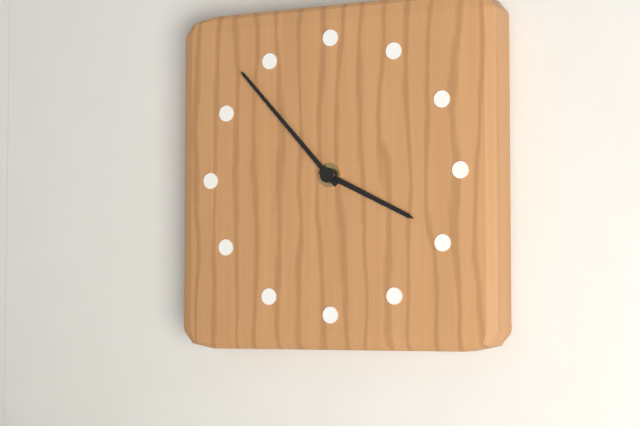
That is h=3 m=53
